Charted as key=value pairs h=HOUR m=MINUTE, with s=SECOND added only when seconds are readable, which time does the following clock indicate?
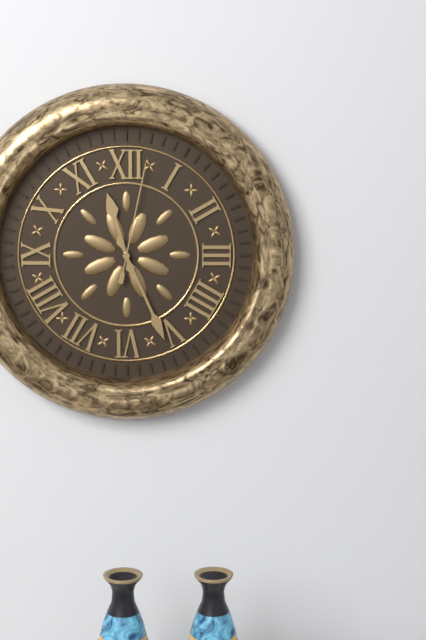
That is h=11 m=26 s=2
